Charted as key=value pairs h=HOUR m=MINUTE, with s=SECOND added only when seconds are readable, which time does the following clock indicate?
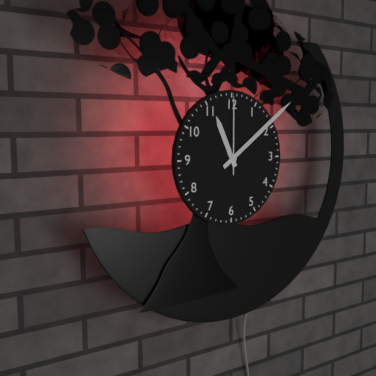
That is h=11 m=9 s=0
